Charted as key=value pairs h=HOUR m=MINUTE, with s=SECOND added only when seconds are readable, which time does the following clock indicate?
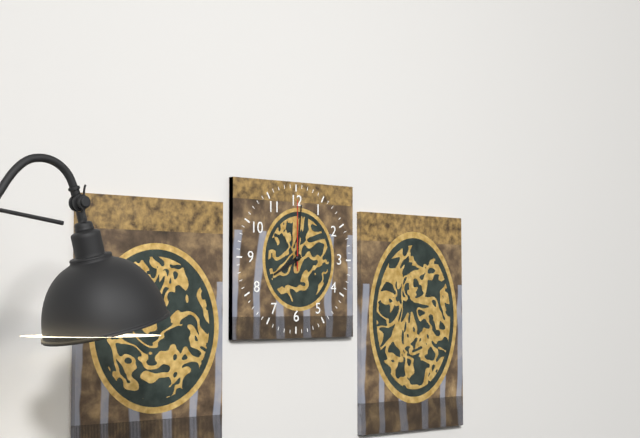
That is h=8 m=1 s=0
